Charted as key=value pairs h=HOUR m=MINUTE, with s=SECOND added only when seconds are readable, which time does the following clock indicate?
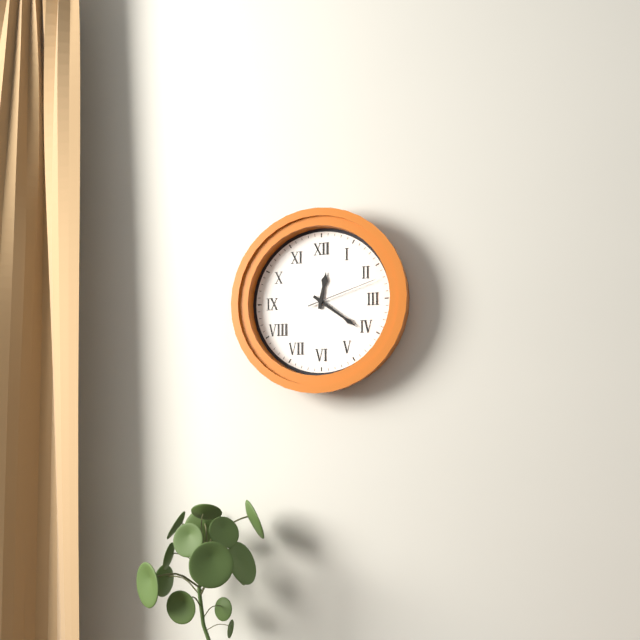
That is h=12 m=21 s=12
